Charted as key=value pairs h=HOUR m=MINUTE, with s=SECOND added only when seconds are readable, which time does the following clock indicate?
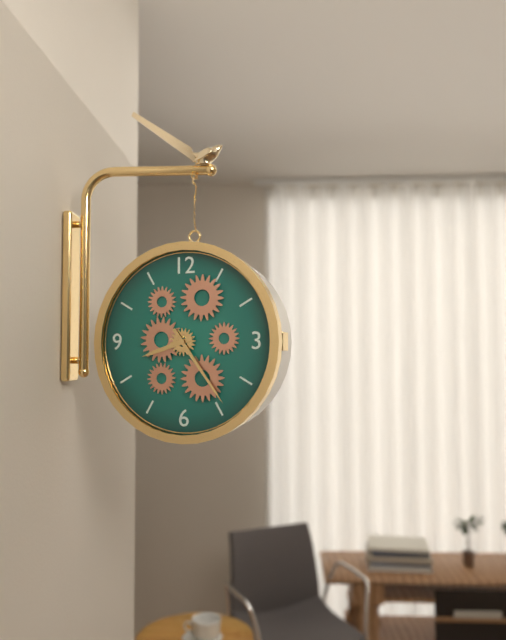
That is h=8 m=24
